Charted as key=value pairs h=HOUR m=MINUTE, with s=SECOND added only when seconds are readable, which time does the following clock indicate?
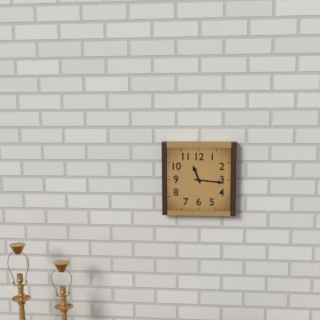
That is h=11 m=16
